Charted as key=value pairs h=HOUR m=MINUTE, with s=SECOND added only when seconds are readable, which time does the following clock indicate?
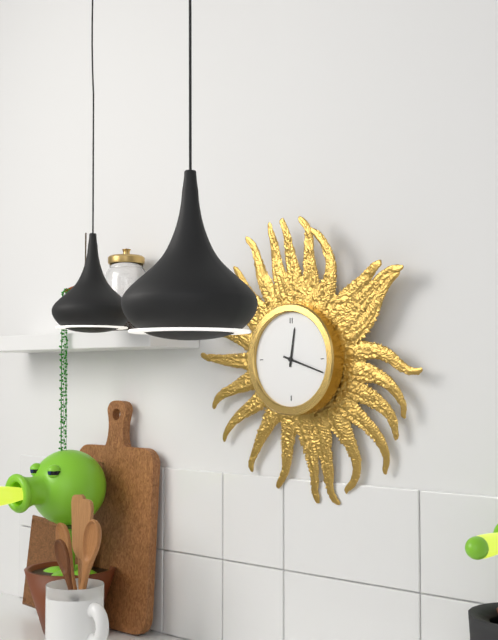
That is h=12 m=18
